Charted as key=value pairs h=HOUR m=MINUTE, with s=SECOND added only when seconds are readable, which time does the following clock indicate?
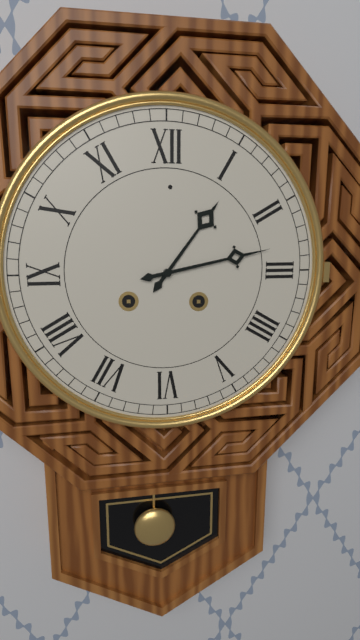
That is h=1 m=13
